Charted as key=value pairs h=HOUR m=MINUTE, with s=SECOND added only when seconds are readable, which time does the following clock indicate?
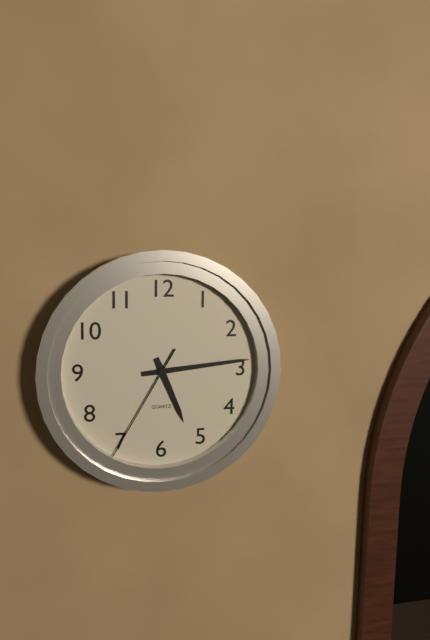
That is h=5 m=14 s=35
